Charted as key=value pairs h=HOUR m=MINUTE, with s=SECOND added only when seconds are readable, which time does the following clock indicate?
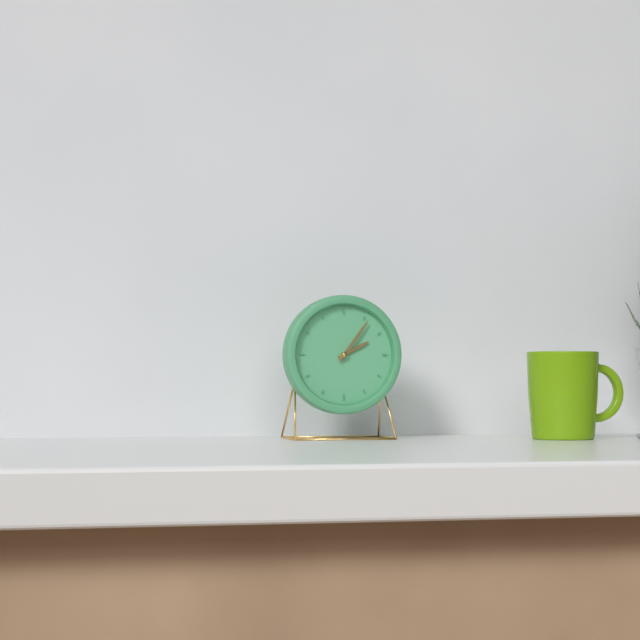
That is h=2 m=6
